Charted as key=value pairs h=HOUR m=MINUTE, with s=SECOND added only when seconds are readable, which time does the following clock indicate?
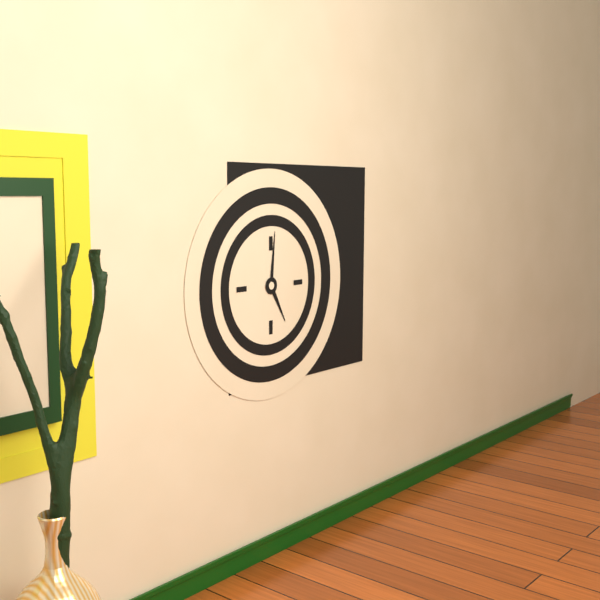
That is h=5 m=1
